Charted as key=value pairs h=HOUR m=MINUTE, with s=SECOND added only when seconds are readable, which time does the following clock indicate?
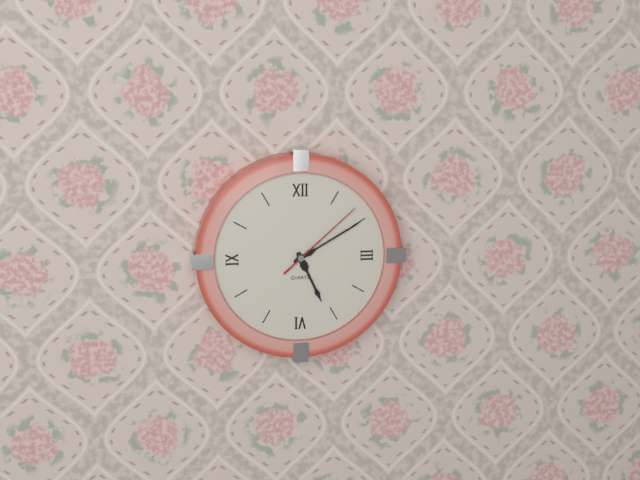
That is h=5 m=10 s=8
